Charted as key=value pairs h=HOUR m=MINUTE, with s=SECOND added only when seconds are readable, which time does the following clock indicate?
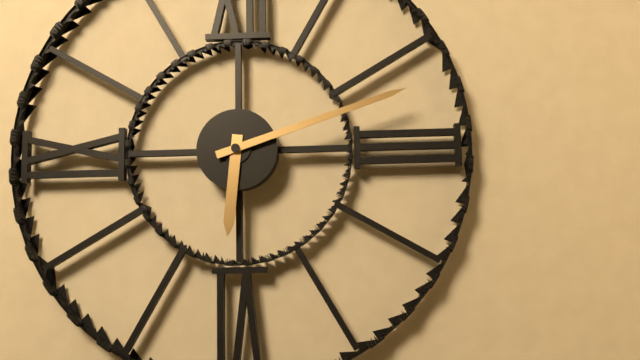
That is h=6 m=12
